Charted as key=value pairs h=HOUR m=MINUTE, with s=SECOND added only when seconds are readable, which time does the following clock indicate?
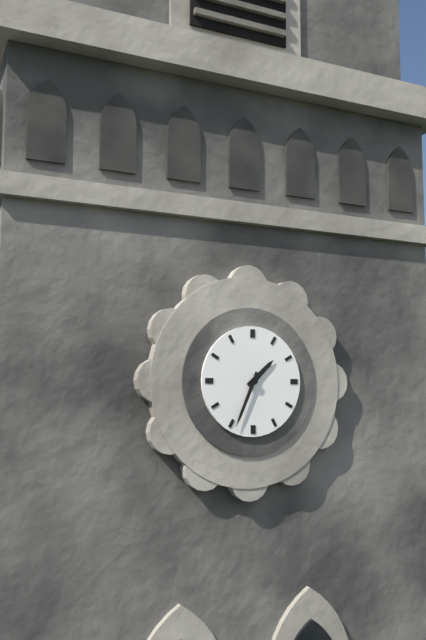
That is h=1 m=34
